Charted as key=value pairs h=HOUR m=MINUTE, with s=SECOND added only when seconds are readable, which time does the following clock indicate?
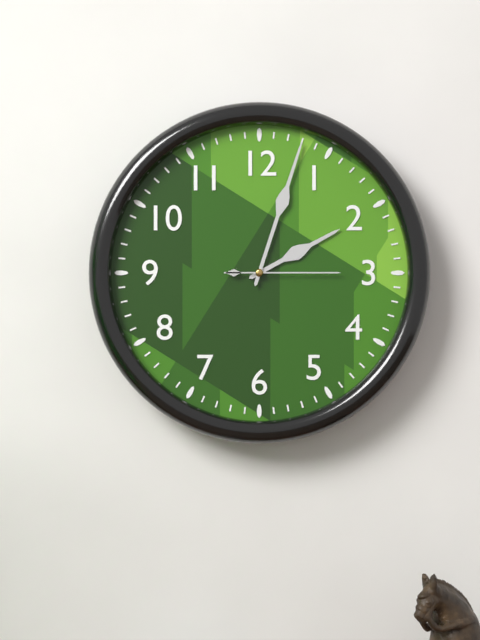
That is h=2 m=3 s=15
